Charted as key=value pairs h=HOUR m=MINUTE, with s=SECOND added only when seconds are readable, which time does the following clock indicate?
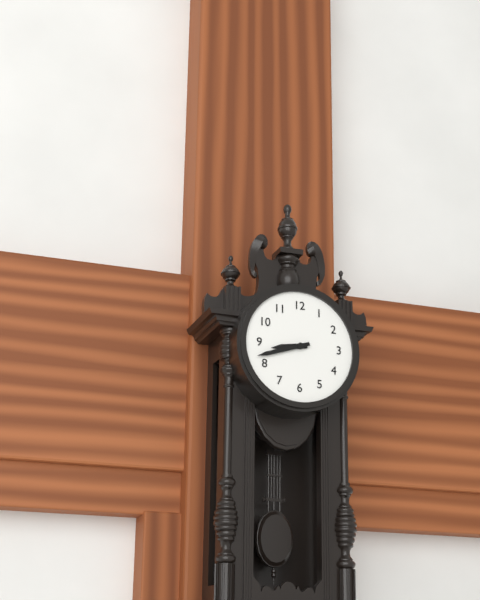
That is h=8 m=42
